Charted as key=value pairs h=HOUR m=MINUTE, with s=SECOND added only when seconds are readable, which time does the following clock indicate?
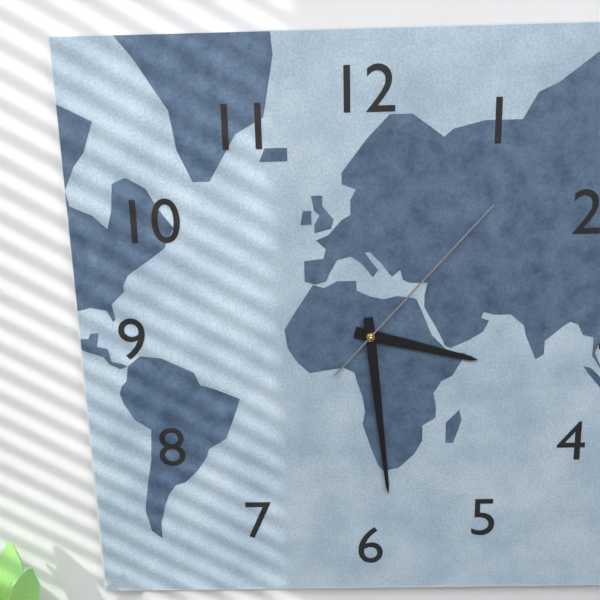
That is h=3 m=29 s=7
